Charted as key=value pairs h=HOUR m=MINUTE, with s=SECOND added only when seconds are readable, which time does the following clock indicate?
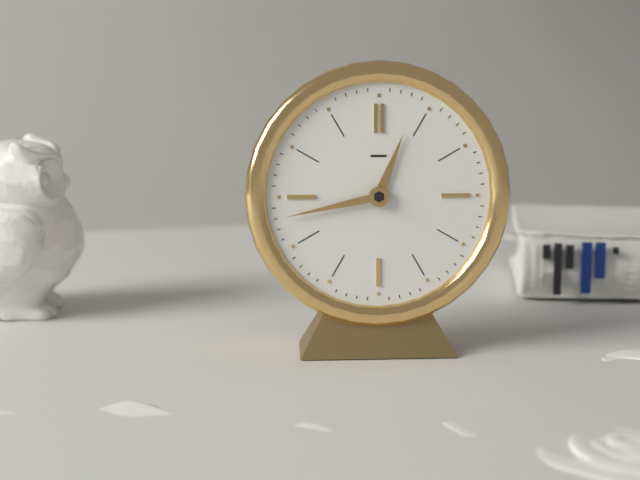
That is h=12 m=43
